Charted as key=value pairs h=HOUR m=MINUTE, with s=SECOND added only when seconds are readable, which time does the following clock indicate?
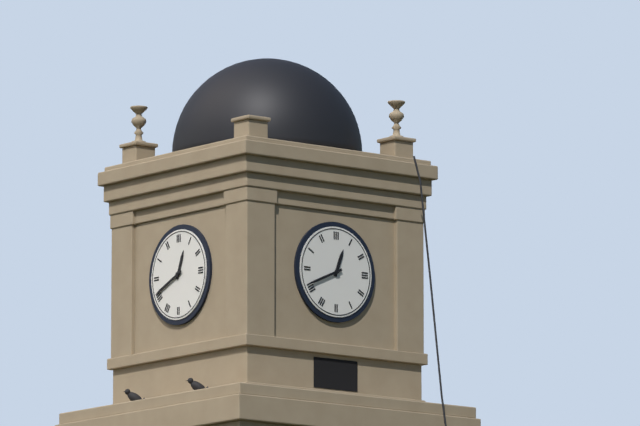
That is h=12 m=41
